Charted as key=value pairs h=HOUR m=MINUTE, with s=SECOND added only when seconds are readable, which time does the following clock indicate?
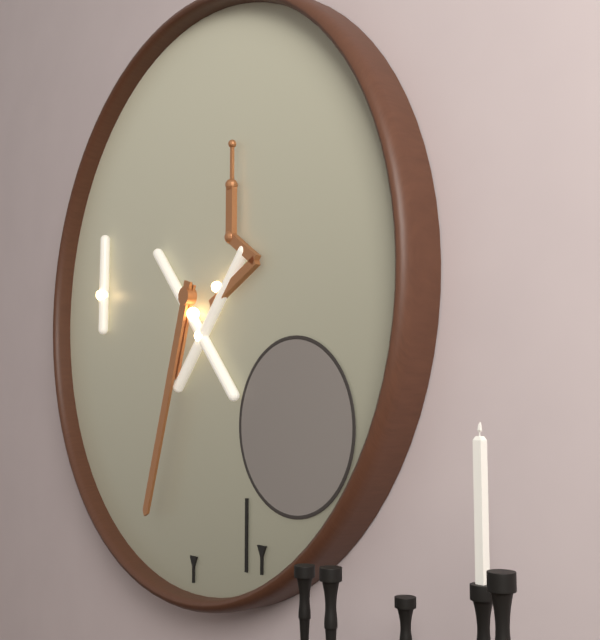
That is h=6 m=33
